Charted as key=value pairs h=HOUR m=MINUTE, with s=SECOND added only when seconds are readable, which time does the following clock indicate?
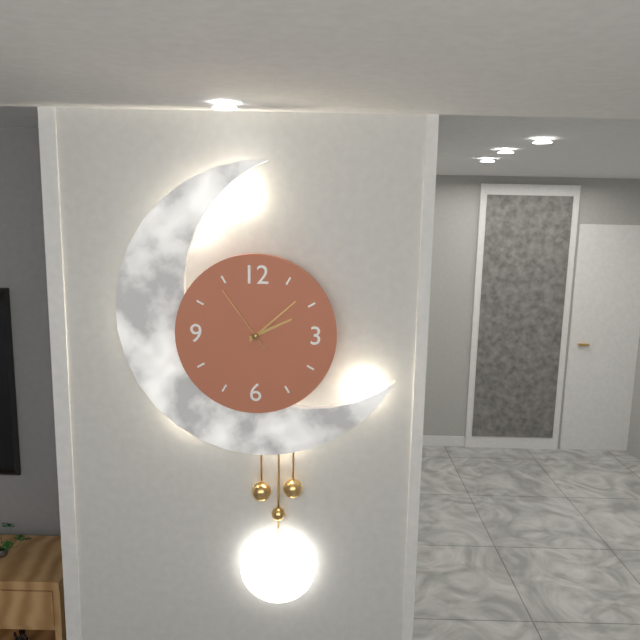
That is h=2 m=8 s=54
